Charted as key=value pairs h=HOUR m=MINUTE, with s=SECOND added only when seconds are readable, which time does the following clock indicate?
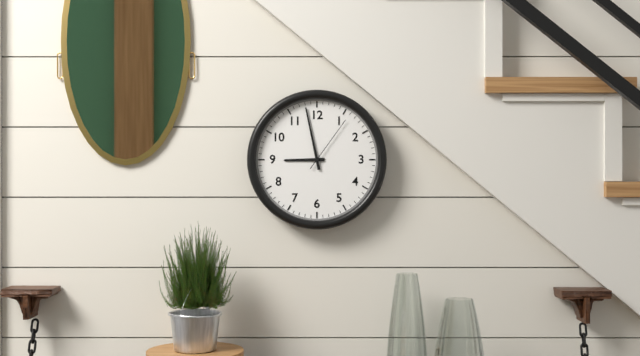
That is h=8 m=58 s=6
